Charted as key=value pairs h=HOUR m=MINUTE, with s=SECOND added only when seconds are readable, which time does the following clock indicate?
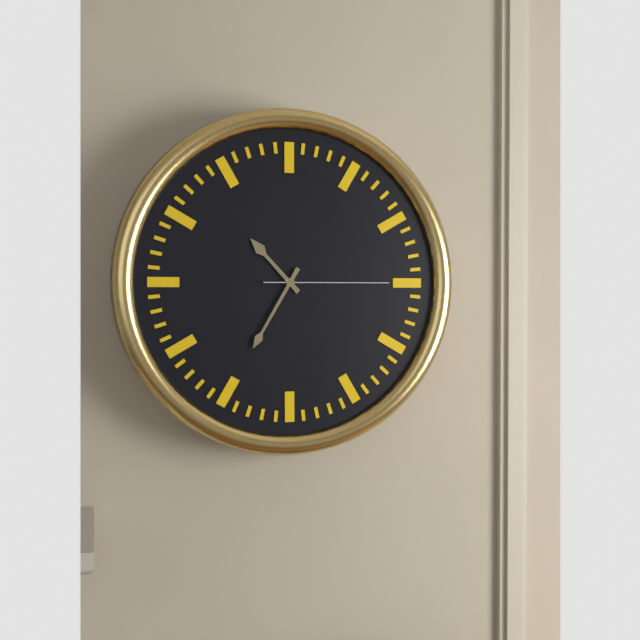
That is h=10 m=35 s=15
